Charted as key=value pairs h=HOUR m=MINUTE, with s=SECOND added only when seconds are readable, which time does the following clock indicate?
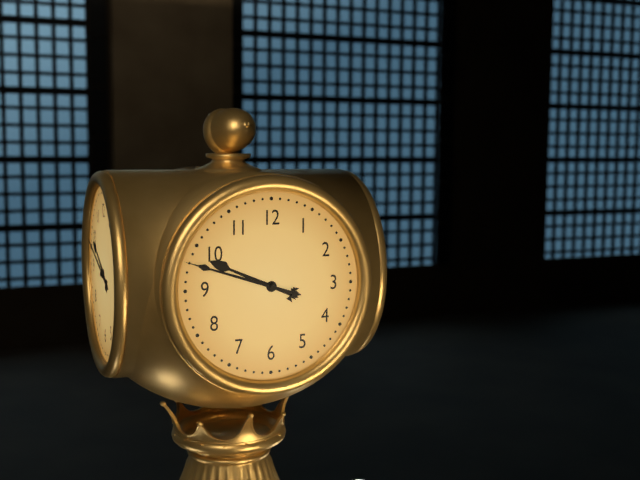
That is h=9 m=48
